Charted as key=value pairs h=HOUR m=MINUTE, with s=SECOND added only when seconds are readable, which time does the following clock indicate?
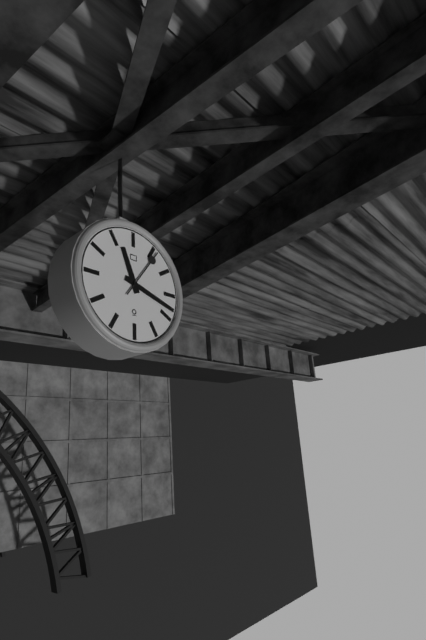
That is h=11 m=18 s=6
